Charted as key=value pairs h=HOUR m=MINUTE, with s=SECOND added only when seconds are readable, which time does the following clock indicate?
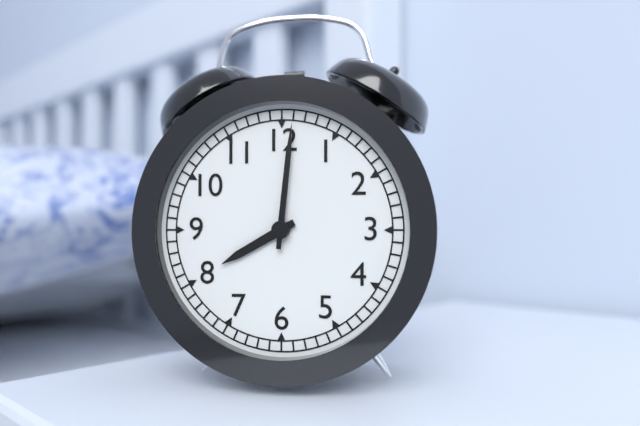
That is h=8 m=1
